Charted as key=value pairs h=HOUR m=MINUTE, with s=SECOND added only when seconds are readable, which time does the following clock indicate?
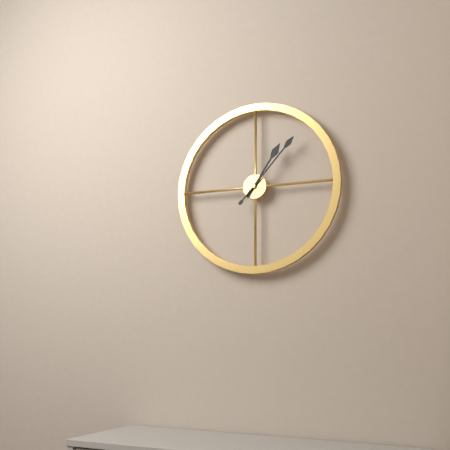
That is h=1 m=7
